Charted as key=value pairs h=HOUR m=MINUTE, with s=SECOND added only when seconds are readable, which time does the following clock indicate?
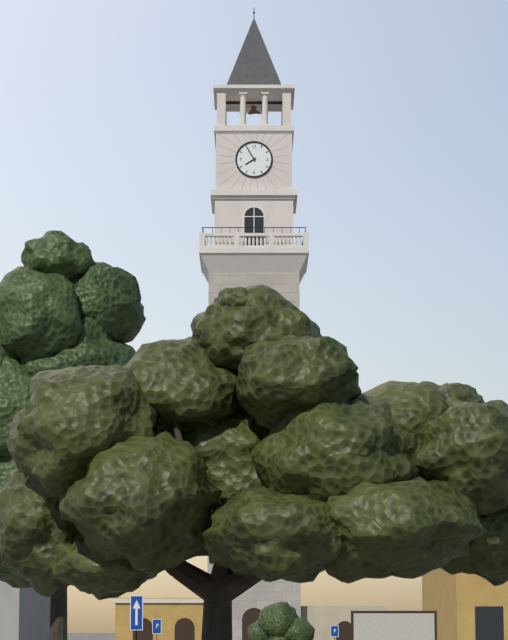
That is h=7 m=55
